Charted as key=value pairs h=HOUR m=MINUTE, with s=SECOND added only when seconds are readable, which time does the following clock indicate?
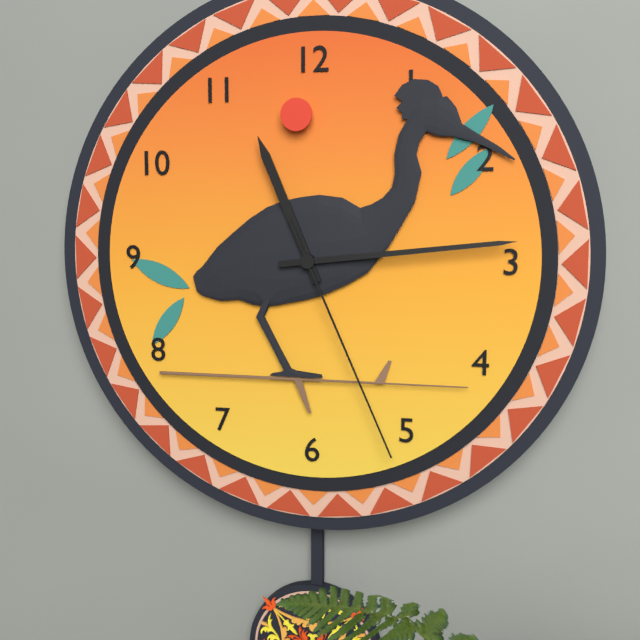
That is h=11 m=14 s=26
